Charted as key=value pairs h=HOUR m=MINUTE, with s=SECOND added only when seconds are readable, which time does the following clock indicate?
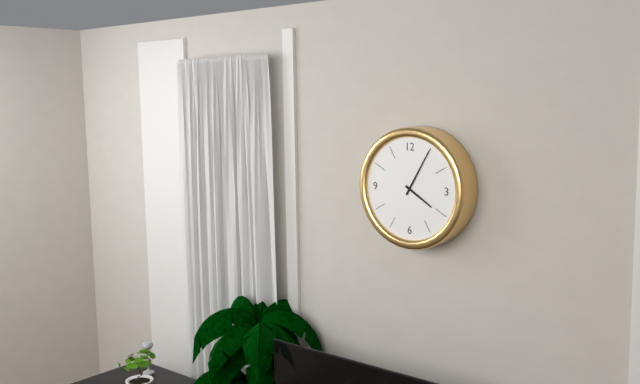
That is h=4 m=5
